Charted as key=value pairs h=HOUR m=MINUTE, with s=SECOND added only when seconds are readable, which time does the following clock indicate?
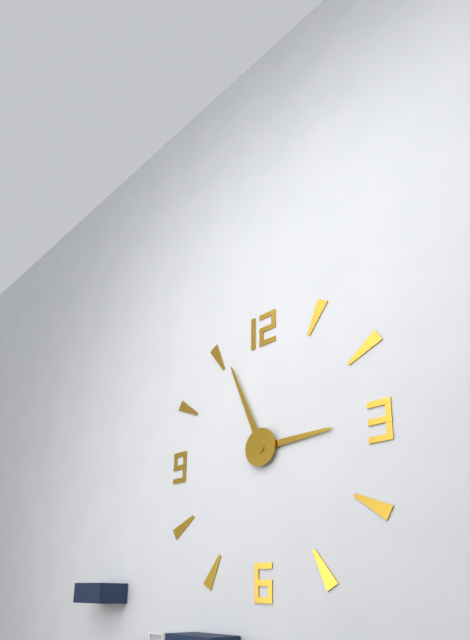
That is h=2 m=56
